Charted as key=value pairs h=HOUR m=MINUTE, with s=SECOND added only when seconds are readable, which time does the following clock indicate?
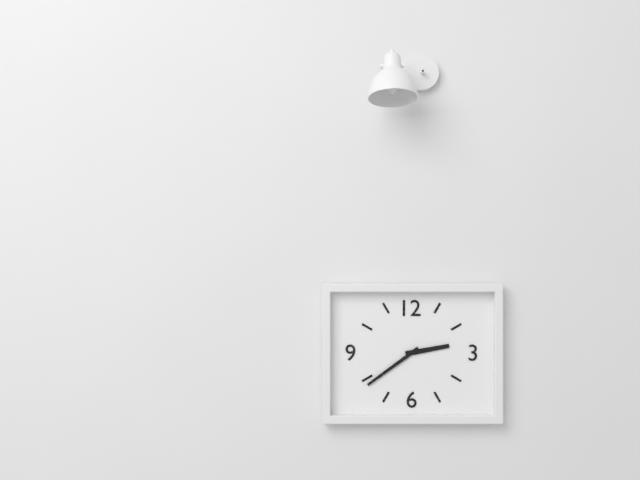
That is h=2 m=39
